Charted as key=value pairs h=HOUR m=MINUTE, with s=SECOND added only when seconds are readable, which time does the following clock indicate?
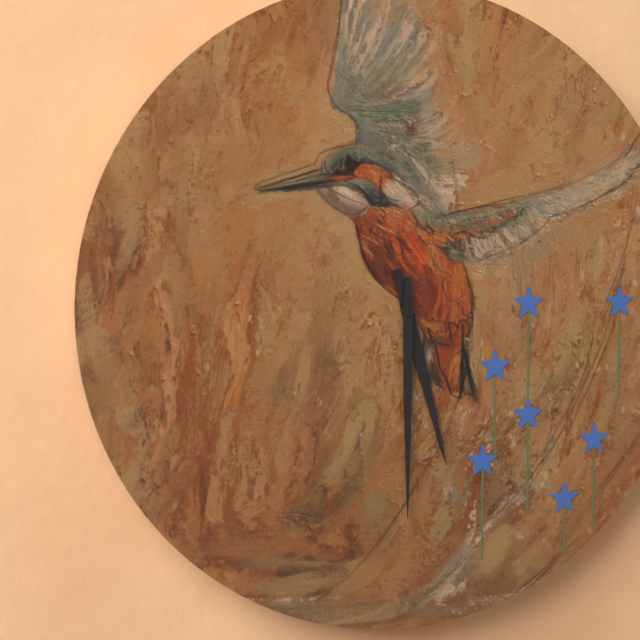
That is h=5 m=30
